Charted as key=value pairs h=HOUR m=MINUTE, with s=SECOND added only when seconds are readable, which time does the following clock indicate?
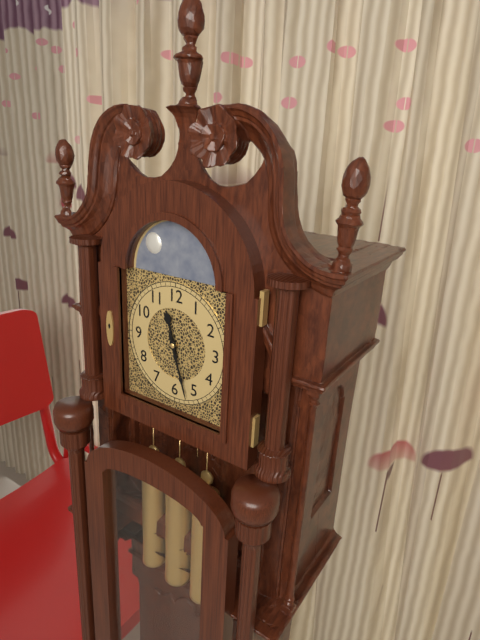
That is h=11 m=27
